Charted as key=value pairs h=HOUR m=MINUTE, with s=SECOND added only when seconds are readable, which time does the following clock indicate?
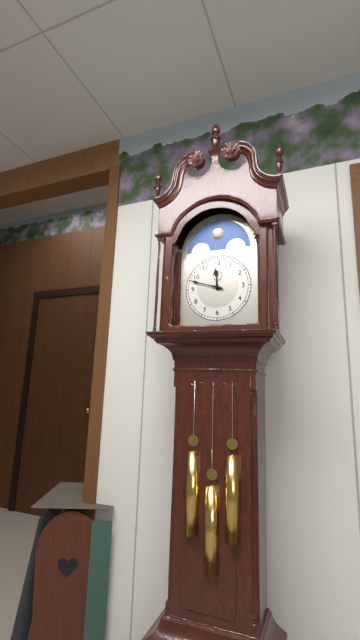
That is h=11 m=48
